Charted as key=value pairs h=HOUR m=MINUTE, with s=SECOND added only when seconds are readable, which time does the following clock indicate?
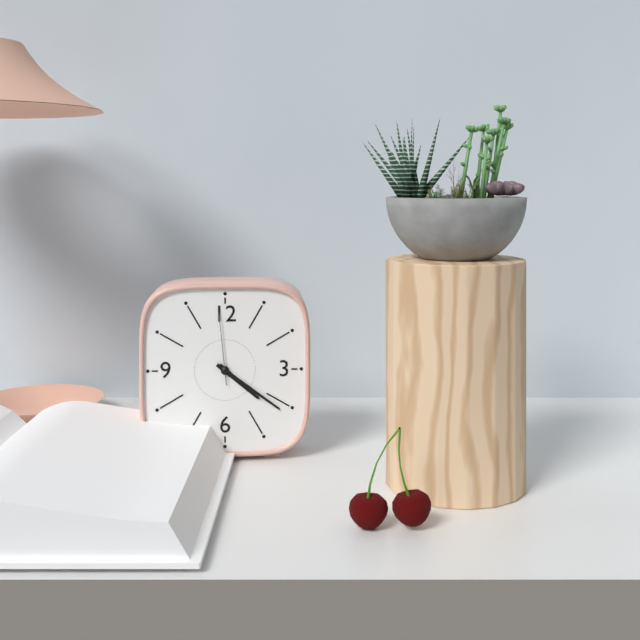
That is h=4 m=21 s=59
